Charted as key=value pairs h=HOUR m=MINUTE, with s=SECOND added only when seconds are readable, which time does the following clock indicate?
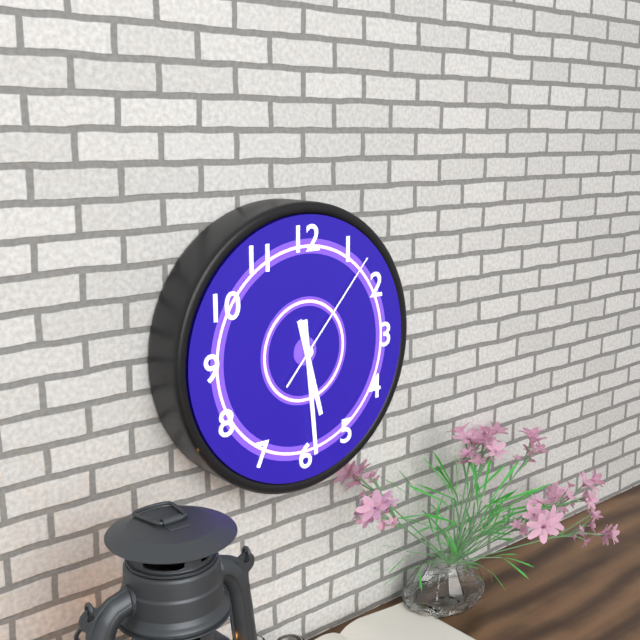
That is h=5 m=29 s=7
